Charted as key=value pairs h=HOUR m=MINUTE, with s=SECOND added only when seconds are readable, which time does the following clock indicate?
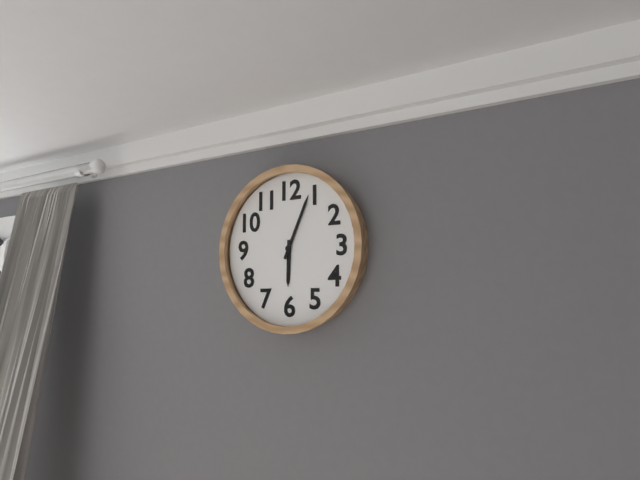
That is h=6 m=4
